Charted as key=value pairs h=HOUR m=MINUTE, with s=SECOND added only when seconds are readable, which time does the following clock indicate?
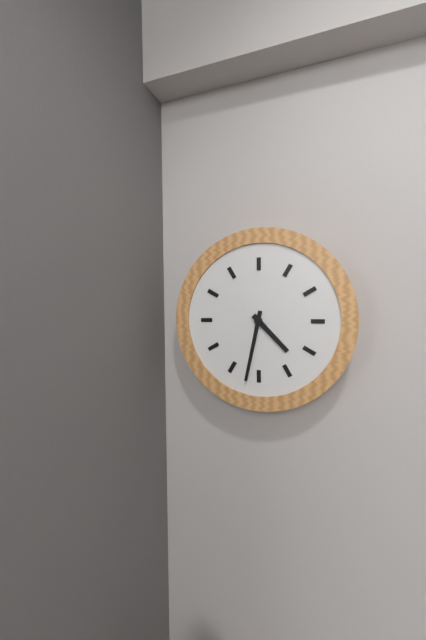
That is h=4 m=32
